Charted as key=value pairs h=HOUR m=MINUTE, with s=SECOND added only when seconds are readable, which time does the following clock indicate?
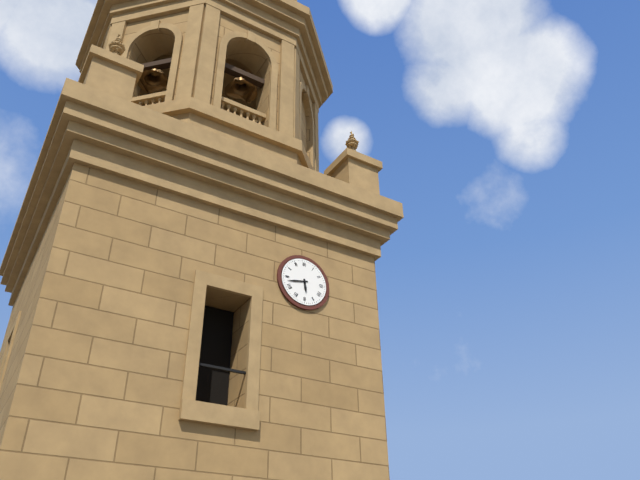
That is h=5 m=43
